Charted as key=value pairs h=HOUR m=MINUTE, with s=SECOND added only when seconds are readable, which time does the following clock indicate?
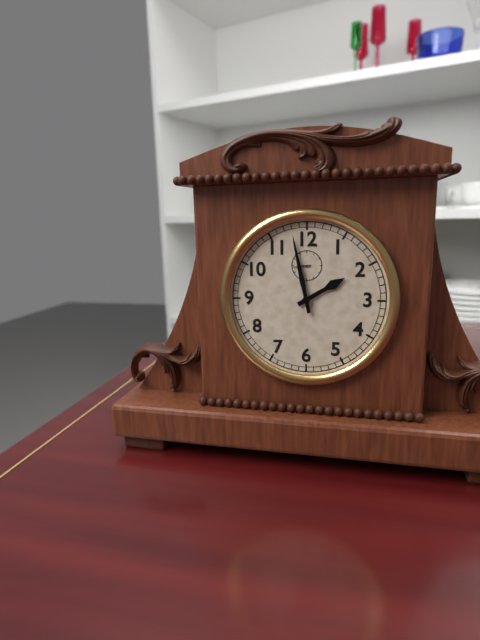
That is h=1 m=58
